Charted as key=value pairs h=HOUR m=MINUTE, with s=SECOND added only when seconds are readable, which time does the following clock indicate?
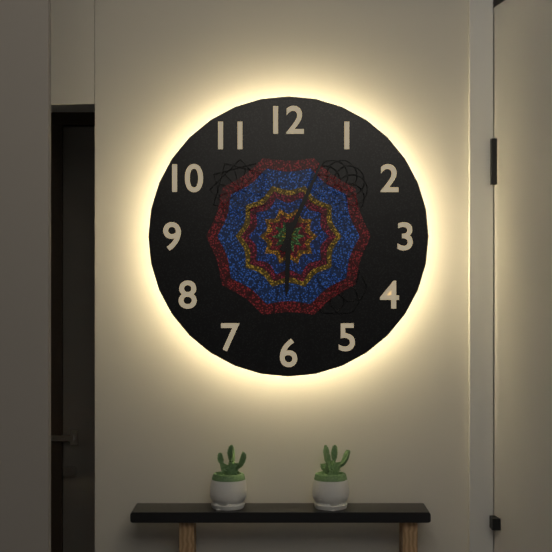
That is h=6 m=4
